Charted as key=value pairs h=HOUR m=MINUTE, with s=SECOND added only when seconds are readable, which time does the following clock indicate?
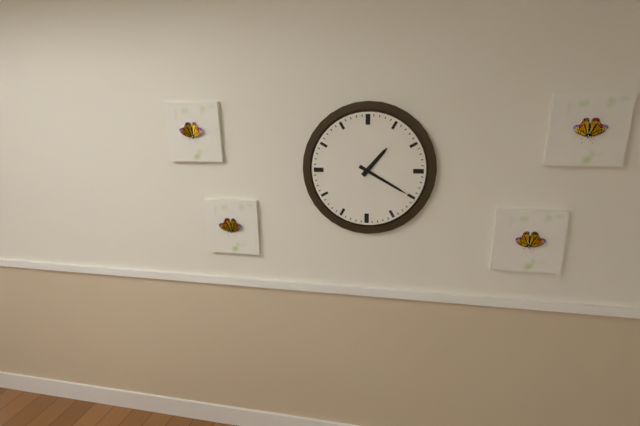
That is h=1 m=20
